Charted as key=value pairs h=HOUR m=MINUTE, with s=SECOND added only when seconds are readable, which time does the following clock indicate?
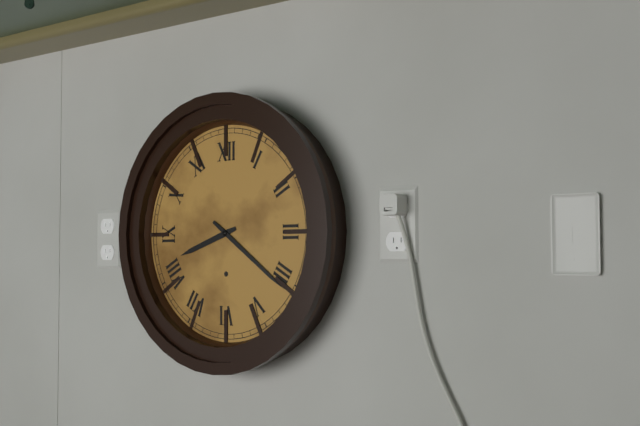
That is h=8 m=21
